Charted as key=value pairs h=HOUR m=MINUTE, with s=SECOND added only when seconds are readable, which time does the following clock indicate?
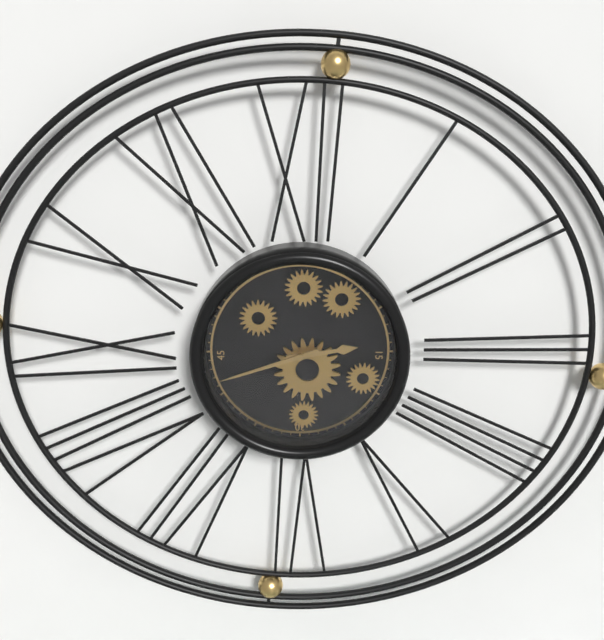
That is h=2 m=42
